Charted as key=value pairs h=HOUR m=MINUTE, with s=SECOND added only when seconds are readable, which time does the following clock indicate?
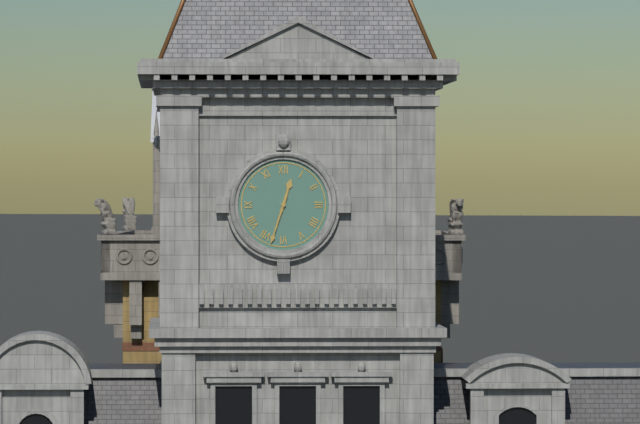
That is h=12 m=33
